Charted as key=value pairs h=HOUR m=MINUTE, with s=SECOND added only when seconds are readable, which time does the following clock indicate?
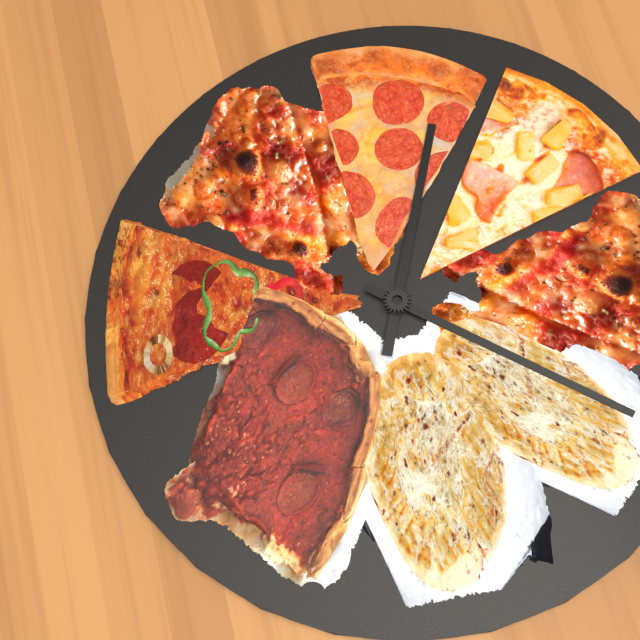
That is h=6 m=52
